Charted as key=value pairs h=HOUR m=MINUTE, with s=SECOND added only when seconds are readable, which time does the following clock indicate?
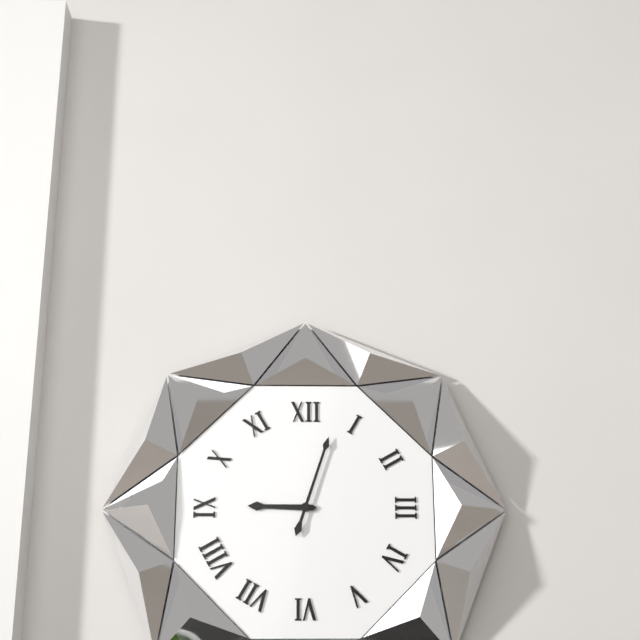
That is h=9 m=3
